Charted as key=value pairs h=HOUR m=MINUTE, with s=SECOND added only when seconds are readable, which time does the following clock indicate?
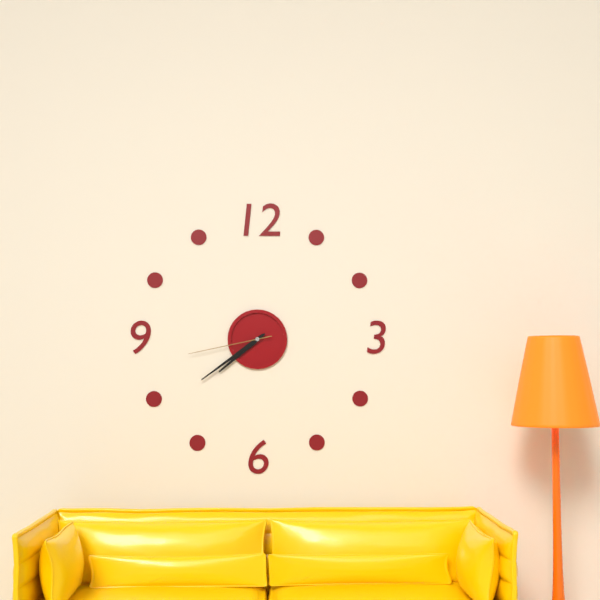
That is h=7 m=39 s=43
